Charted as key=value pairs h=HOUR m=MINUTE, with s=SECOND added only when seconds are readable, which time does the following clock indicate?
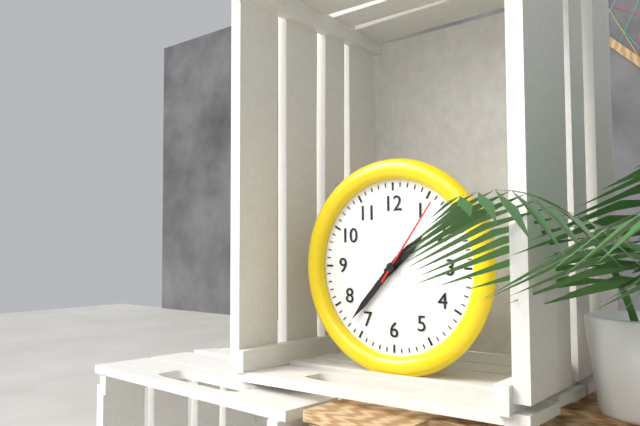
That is h=1 m=37 s=6
